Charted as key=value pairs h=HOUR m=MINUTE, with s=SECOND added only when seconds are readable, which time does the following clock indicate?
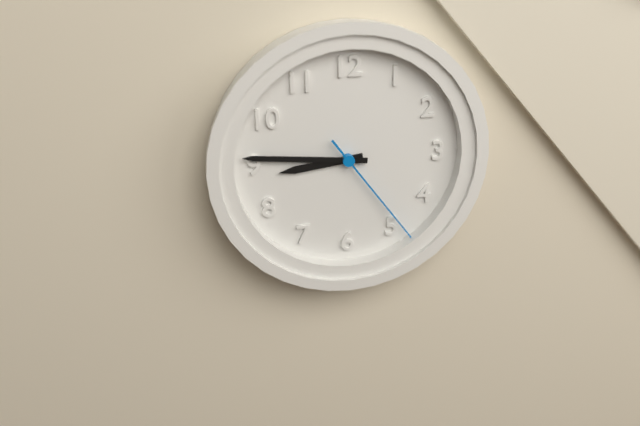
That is h=8 m=46 s=24
